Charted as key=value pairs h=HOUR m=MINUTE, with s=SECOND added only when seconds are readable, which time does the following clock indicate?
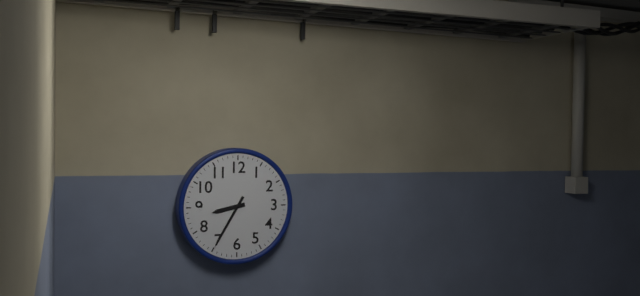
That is h=8 m=35
